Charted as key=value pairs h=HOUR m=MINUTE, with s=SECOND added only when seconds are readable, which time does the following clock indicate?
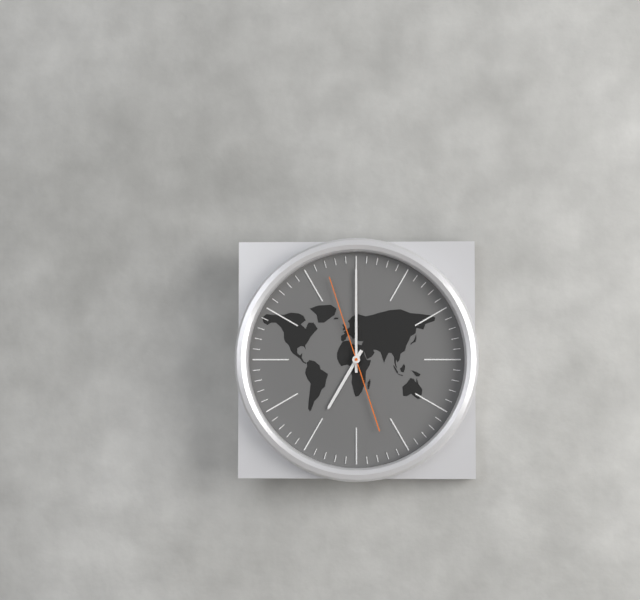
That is h=7 m=0 s=57
